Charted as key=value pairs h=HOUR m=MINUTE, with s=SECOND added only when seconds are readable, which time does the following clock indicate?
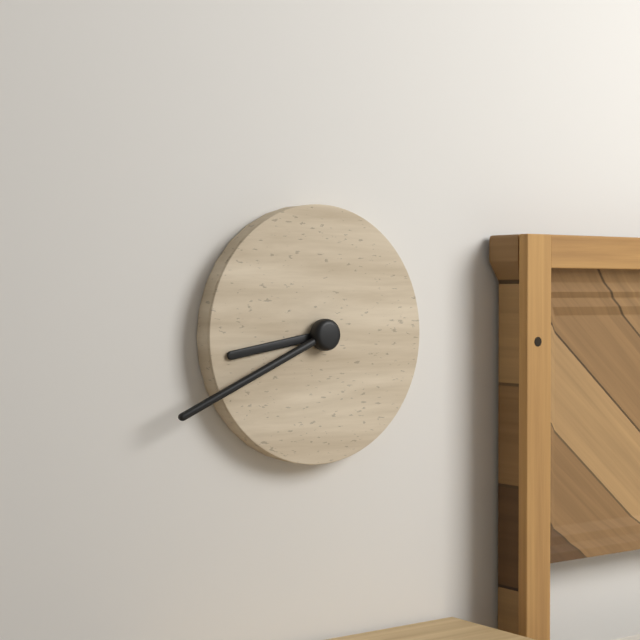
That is h=8 m=41
